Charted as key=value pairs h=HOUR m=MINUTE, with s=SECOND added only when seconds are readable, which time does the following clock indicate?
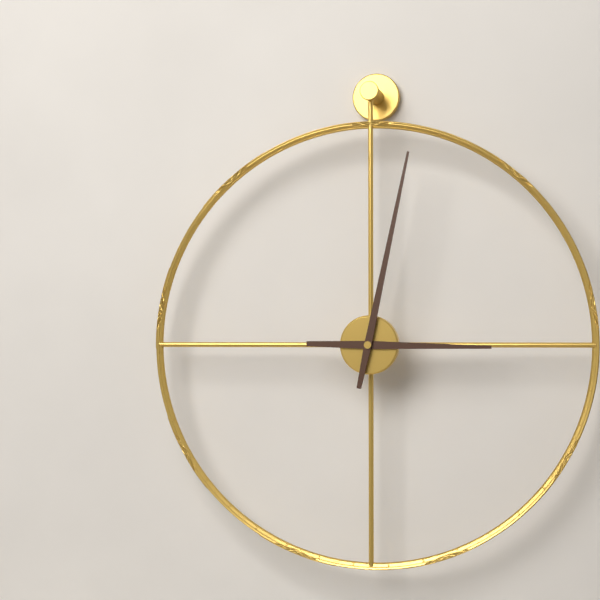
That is h=3 m=2
